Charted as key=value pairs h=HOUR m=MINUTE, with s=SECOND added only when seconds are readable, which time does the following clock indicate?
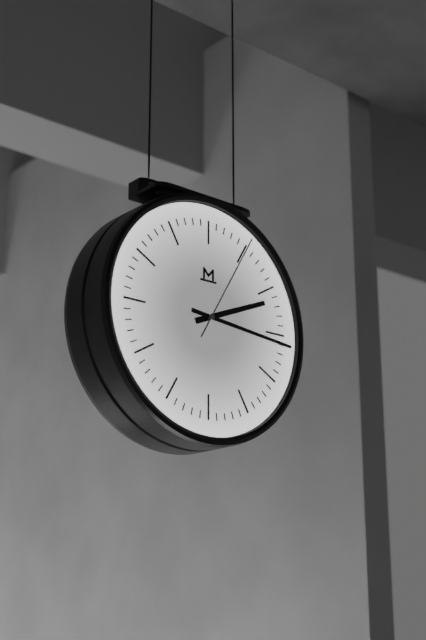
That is h=2 m=16 s=5
